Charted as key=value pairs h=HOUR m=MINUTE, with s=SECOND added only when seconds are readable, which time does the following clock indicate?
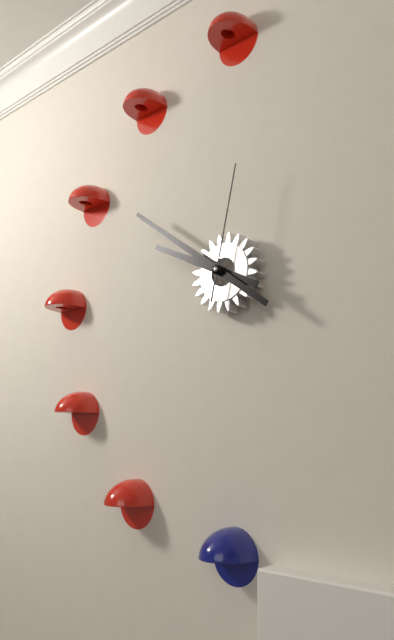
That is h=9 m=51 s=2
